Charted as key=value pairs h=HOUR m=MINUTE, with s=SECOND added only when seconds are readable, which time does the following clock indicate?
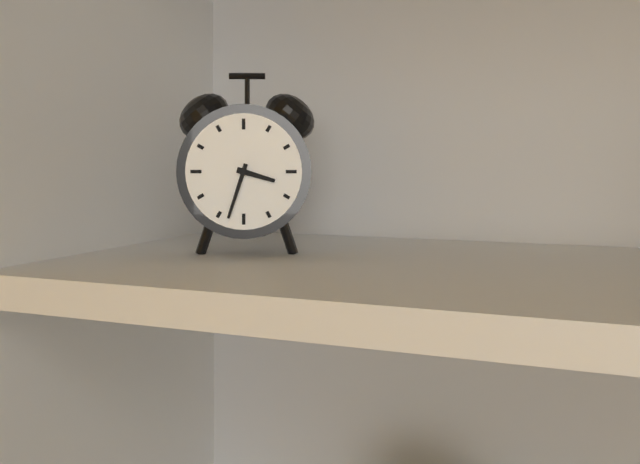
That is h=3 m=33
